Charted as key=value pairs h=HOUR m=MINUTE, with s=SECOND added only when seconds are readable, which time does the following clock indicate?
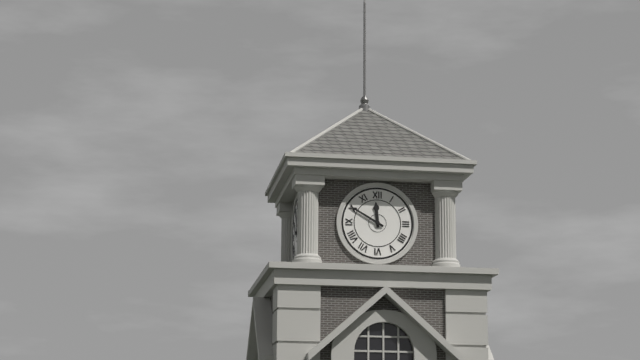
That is h=11 m=50
